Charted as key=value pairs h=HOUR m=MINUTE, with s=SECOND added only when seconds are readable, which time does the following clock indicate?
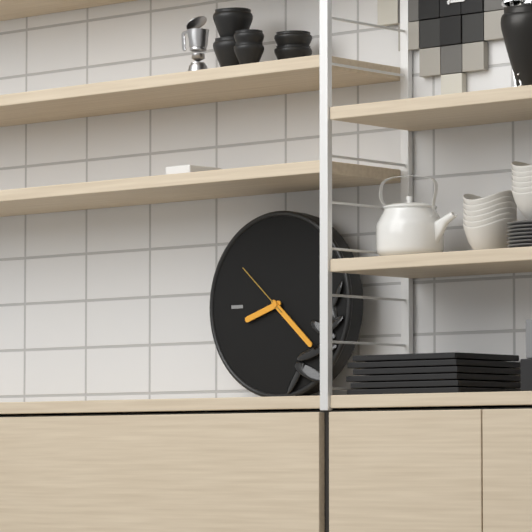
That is h=8 m=22 s=52
